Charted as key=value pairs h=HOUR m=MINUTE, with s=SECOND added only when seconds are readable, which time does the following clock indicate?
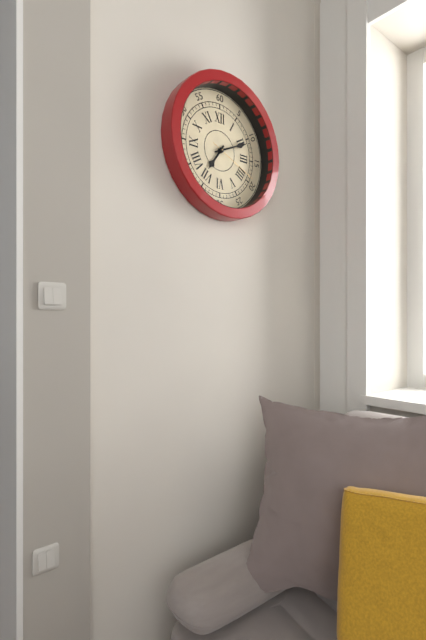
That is h=7 m=11 s=19
